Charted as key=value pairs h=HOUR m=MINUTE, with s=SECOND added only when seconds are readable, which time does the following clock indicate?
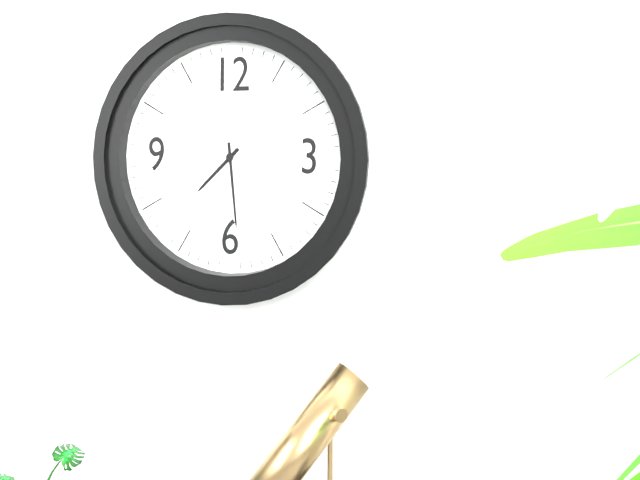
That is h=7 m=29
